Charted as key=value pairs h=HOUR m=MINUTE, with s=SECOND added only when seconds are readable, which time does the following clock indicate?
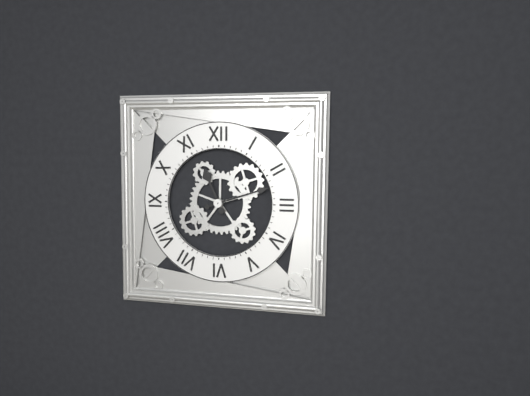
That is h=11 m=12
